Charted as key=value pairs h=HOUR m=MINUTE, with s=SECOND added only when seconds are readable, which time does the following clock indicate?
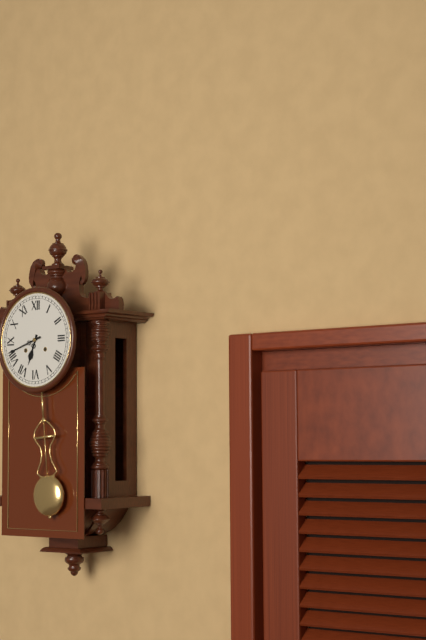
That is h=6 m=42
